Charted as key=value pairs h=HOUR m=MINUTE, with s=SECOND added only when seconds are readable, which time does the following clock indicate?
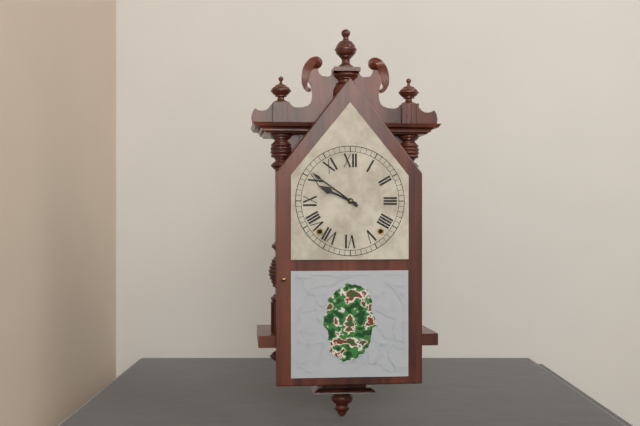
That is h=9 m=51
